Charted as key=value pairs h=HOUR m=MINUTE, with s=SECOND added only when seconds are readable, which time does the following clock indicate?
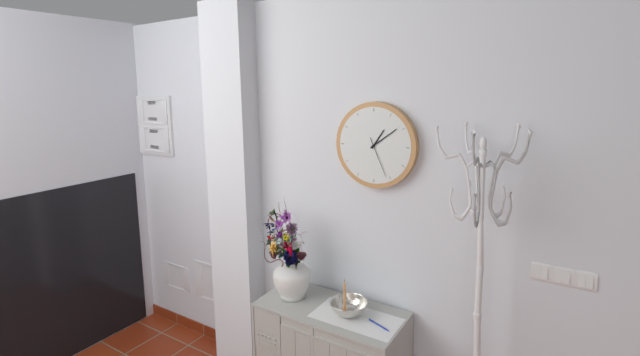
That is h=1 m=9
